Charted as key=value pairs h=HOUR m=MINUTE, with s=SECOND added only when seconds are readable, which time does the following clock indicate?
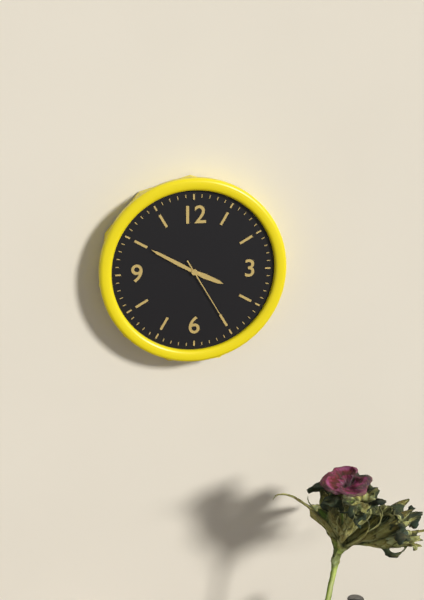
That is h=3 m=50 s=25
